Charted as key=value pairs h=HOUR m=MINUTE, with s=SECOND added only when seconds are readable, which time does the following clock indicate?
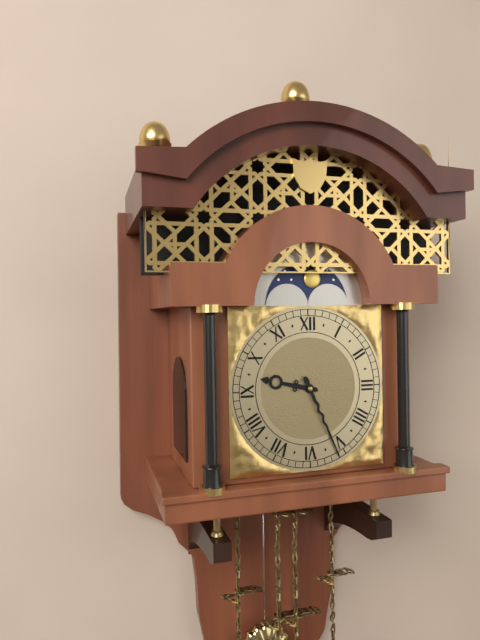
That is h=9 m=26
